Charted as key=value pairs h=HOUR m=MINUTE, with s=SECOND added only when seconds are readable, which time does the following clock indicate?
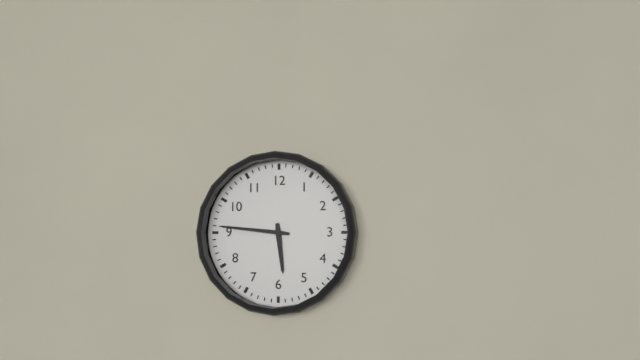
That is h=5 m=46
